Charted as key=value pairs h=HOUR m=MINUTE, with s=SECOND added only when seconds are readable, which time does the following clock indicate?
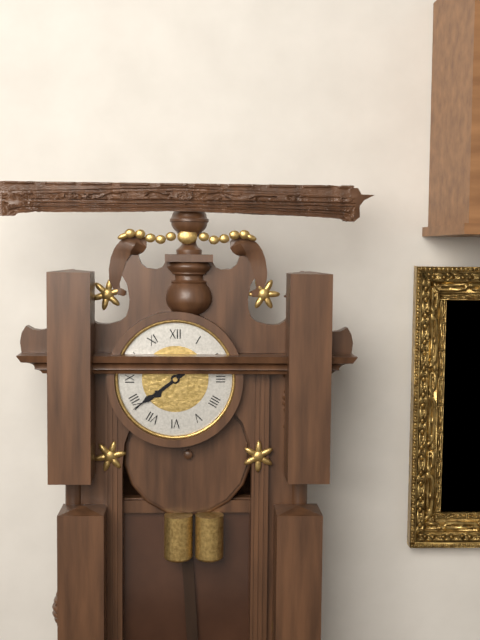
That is h=7 m=39
